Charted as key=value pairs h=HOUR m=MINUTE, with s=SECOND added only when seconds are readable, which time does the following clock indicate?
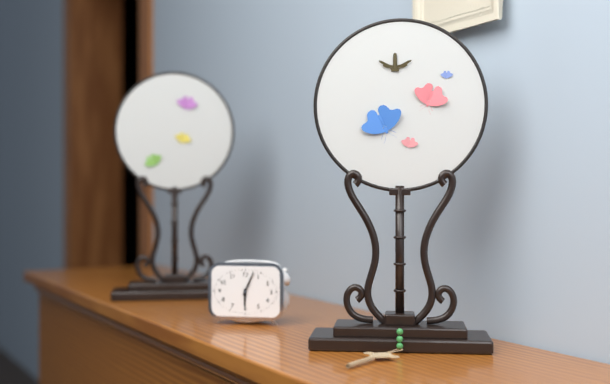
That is h=6 m=4
